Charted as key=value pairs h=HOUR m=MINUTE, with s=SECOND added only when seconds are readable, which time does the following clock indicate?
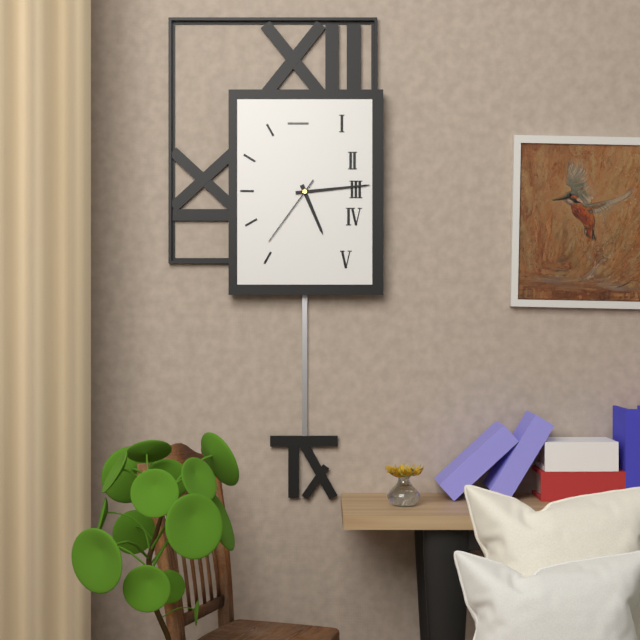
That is h=5 m=14 s=36
